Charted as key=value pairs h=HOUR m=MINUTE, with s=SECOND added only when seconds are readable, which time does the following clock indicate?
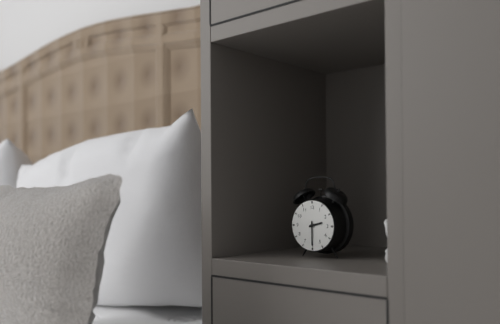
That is h=2 m=30
